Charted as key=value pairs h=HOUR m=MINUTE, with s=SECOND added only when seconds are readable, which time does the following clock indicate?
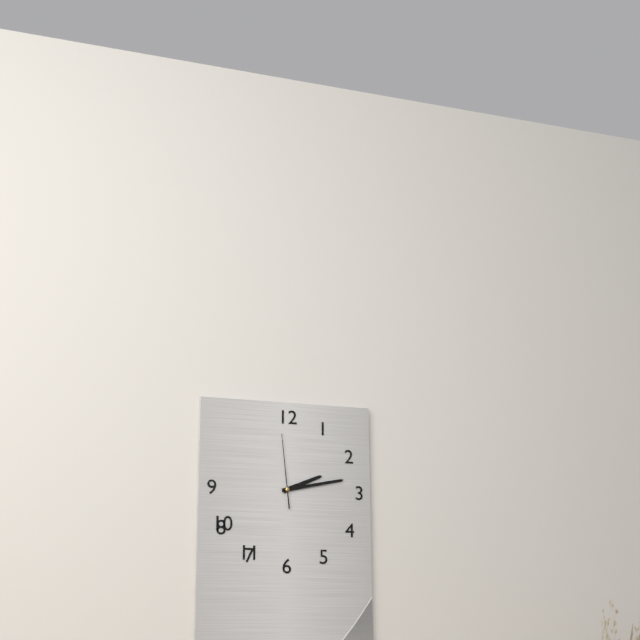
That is h=2 m=13 s=59
